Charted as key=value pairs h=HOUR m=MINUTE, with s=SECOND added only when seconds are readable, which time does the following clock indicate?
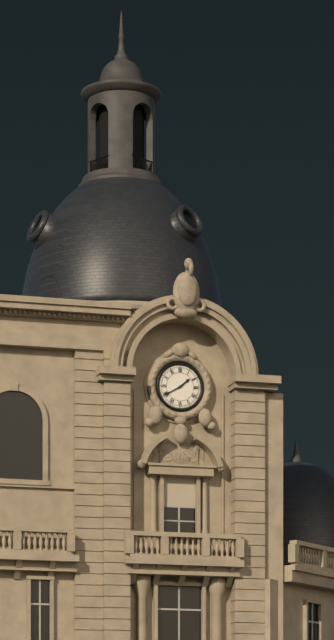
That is h=1 m=40
